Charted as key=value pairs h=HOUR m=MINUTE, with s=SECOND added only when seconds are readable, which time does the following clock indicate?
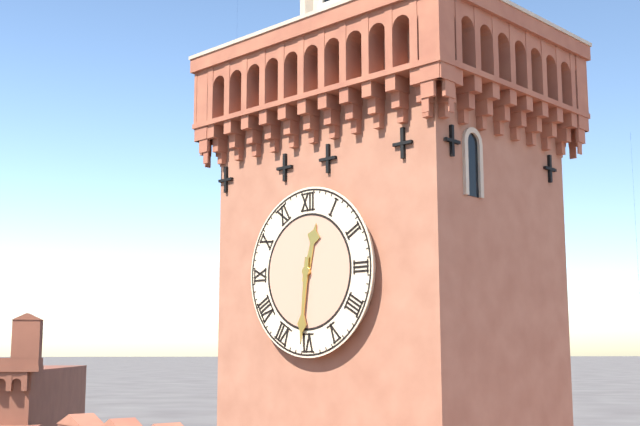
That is h=12 m=31
